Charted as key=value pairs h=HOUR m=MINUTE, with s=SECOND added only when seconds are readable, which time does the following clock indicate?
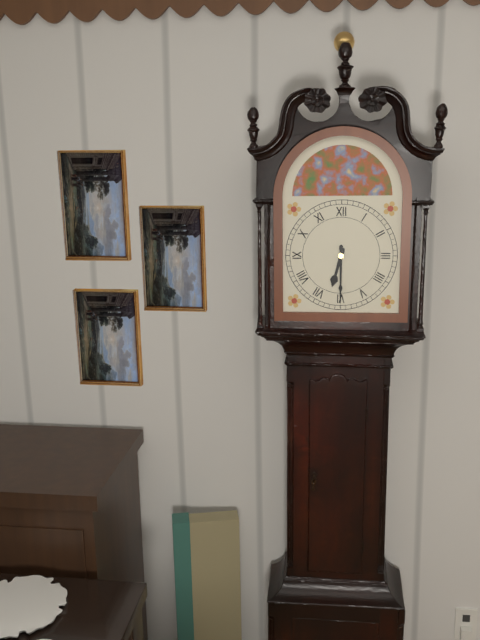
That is h=6 m=30
